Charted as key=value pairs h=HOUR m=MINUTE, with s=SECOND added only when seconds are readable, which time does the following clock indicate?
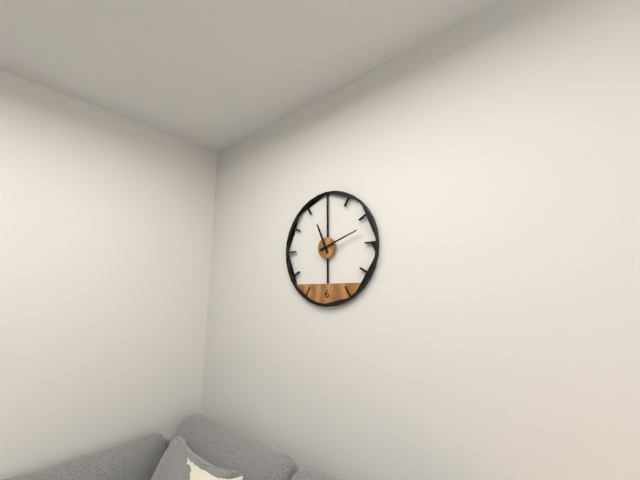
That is h=11 m=12
